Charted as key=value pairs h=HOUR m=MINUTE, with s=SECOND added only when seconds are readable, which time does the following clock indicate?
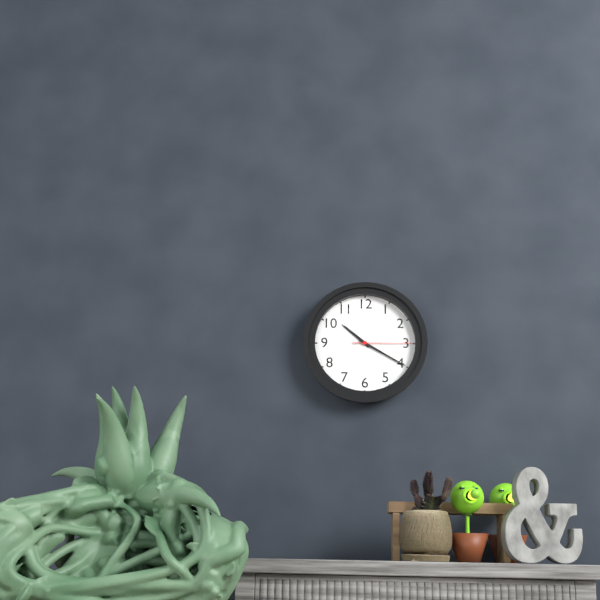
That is h=10 m=20 s=15
